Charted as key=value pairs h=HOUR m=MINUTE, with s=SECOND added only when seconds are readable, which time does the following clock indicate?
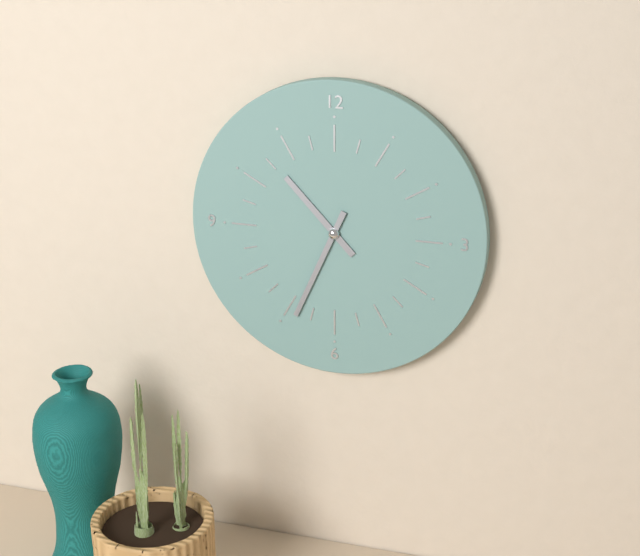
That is h=10 m=34
